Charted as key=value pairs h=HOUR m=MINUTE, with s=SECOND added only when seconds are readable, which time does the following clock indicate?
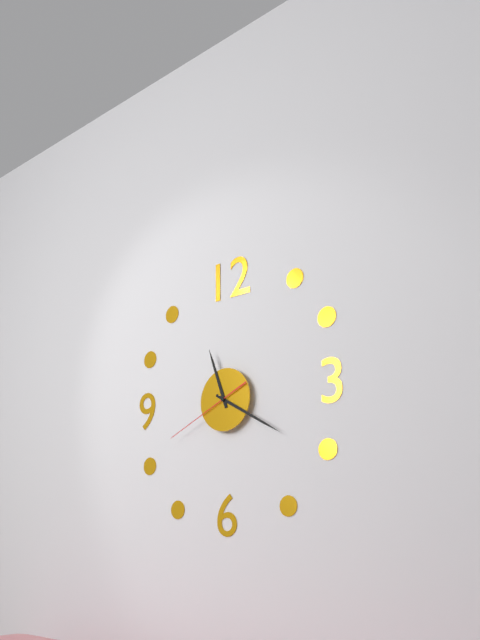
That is h=11 m=20 s=41
